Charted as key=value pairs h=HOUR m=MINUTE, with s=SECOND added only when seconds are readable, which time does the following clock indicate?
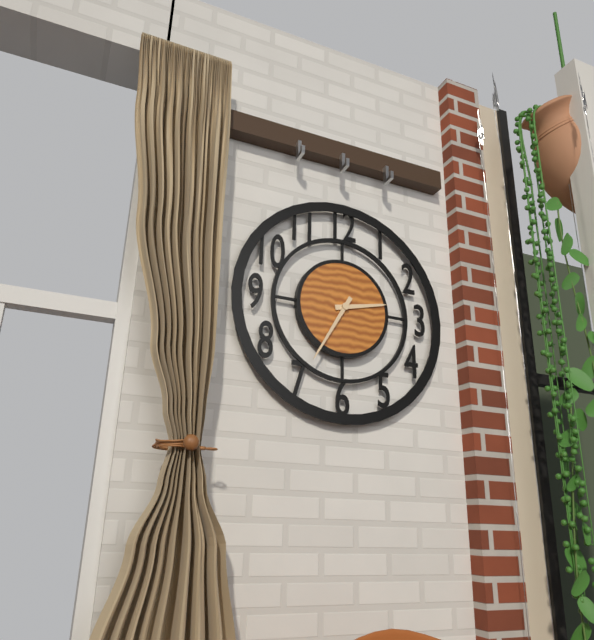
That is h=2 m=35
